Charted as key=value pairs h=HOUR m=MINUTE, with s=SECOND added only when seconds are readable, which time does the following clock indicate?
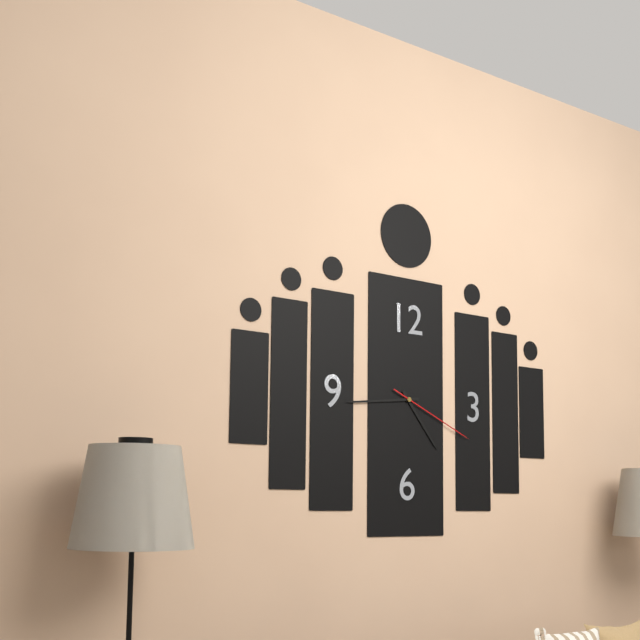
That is h=4 m=44 s=19
